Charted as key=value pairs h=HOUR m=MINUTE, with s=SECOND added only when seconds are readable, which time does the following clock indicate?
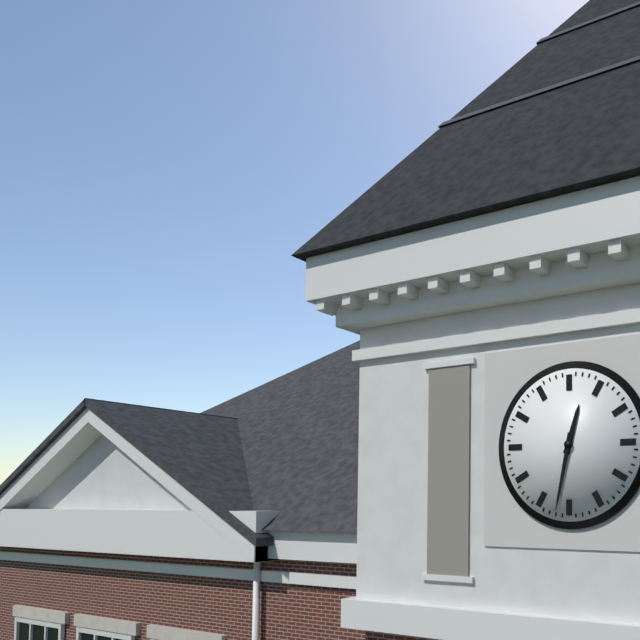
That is h=12 m=32
